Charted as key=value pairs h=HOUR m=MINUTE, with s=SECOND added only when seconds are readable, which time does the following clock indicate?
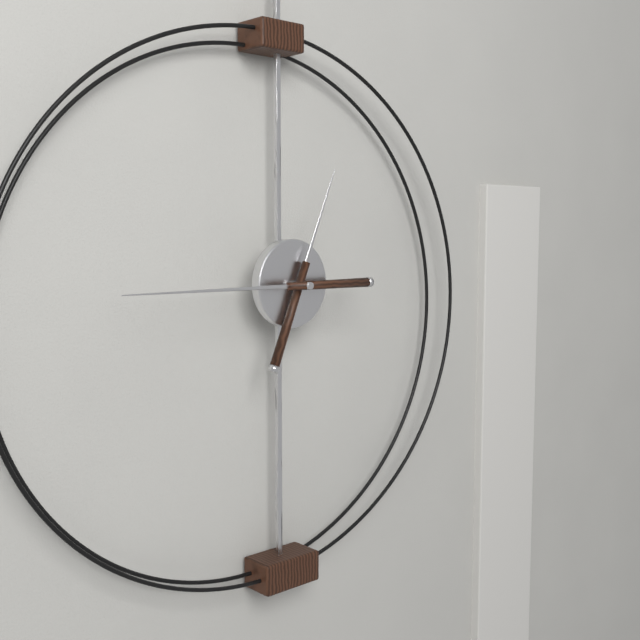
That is h=12 m=45
